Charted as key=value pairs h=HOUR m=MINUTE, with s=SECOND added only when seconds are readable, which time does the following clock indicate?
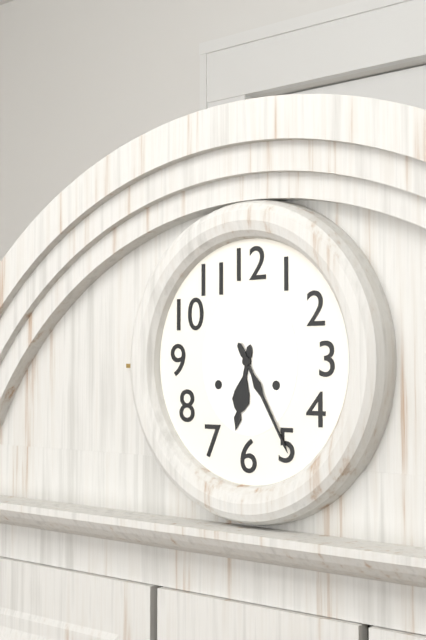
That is h=6 m=25
